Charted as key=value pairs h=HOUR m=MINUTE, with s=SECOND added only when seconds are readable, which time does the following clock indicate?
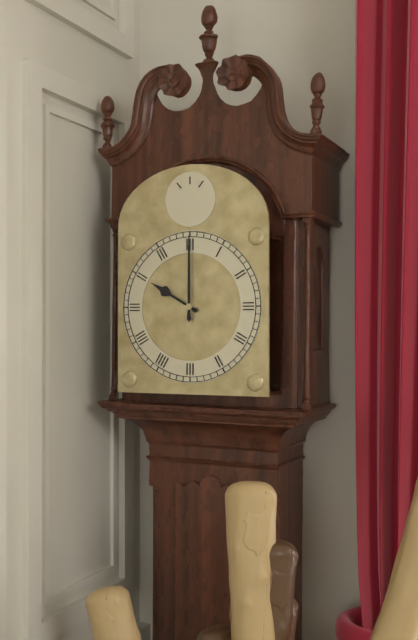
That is h=10 m=0
